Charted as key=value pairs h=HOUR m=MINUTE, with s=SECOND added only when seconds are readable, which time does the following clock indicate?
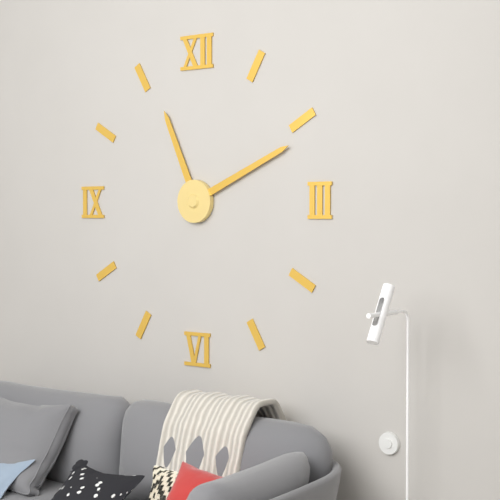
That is h=11 m=11
